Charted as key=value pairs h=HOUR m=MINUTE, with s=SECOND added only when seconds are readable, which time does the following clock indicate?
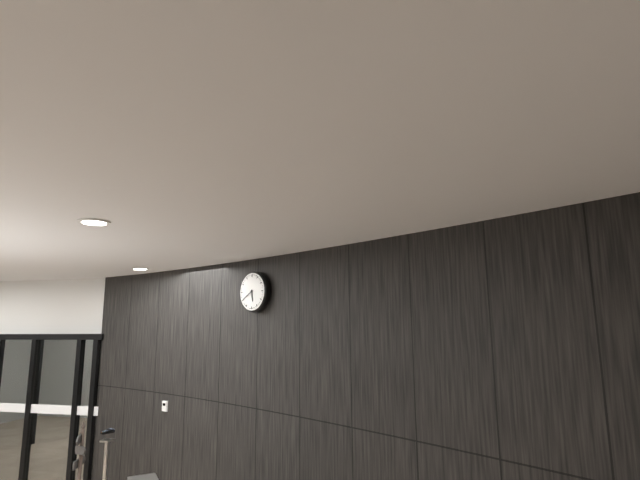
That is h=5 m=40
